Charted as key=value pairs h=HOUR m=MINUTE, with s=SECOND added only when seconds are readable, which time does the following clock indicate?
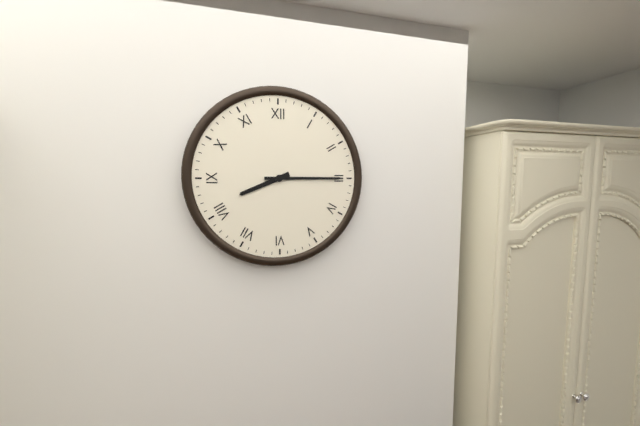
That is h=8 m=15
